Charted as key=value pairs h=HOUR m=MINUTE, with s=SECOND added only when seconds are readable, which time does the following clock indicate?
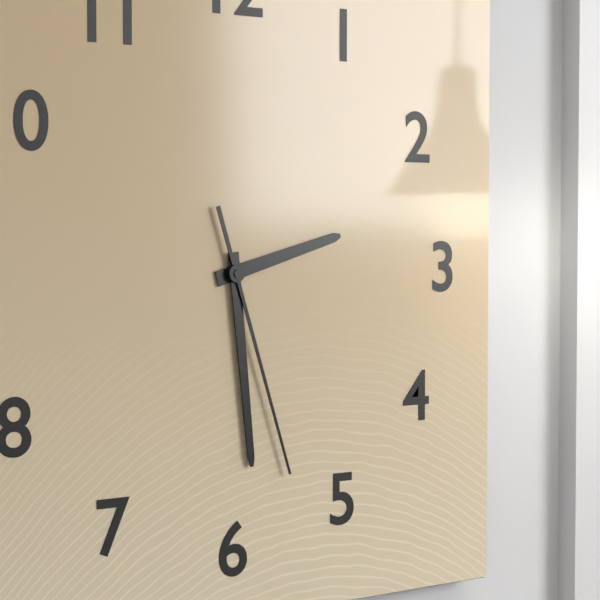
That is h=2 m=29 s=27
